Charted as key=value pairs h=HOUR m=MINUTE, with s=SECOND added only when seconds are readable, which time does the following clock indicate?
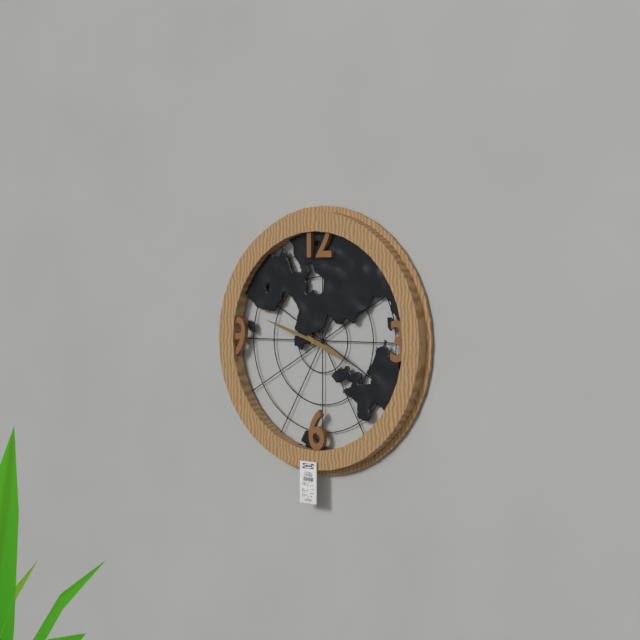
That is h=3 m=48
